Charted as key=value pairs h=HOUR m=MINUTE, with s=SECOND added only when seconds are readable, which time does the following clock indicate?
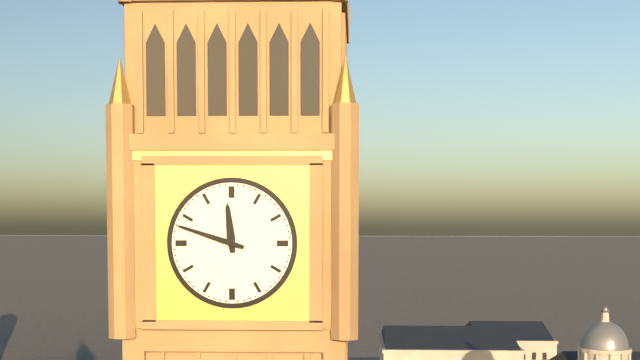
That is h=11 m=48
